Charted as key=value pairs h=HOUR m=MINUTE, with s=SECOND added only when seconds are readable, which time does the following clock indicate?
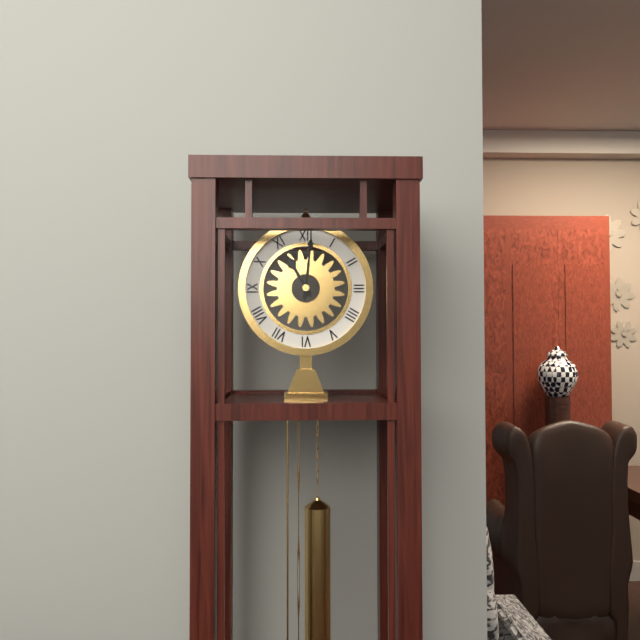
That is h=11 m=1
